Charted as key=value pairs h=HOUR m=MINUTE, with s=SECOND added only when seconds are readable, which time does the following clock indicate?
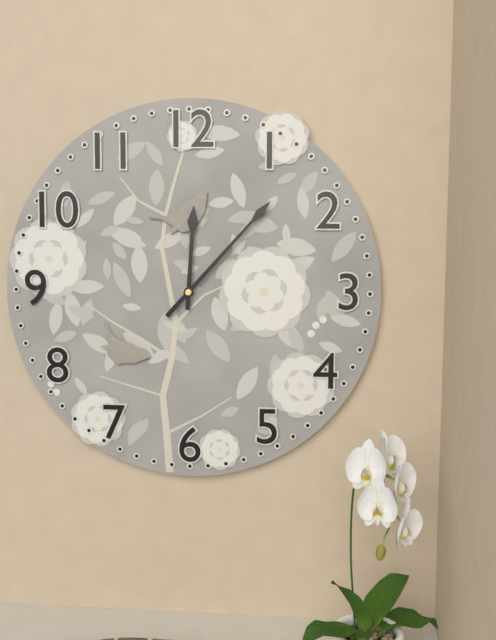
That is h=12 m=7
